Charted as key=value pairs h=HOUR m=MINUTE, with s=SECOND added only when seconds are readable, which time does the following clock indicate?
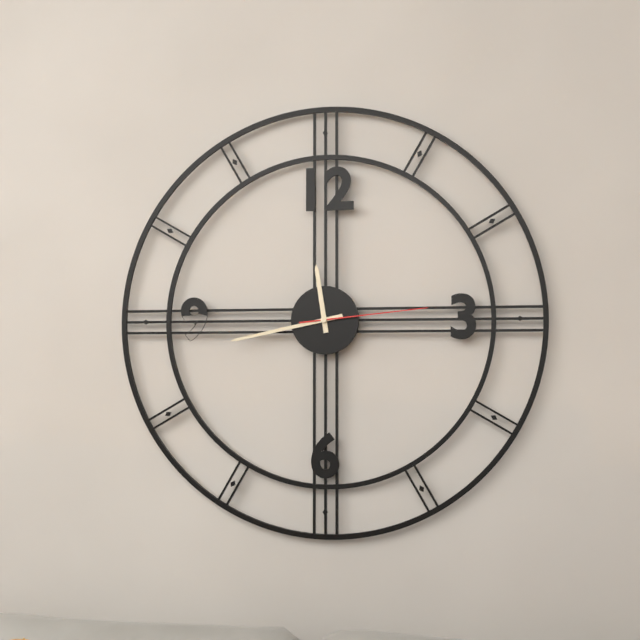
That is h=11 m=43 s=14
